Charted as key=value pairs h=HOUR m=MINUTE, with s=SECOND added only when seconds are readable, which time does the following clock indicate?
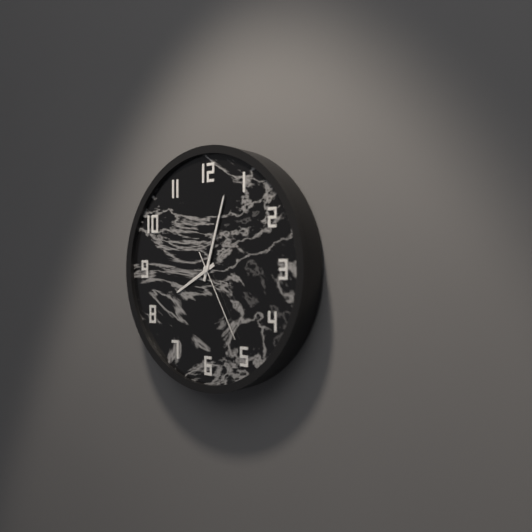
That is h=8 m=3 s=25
